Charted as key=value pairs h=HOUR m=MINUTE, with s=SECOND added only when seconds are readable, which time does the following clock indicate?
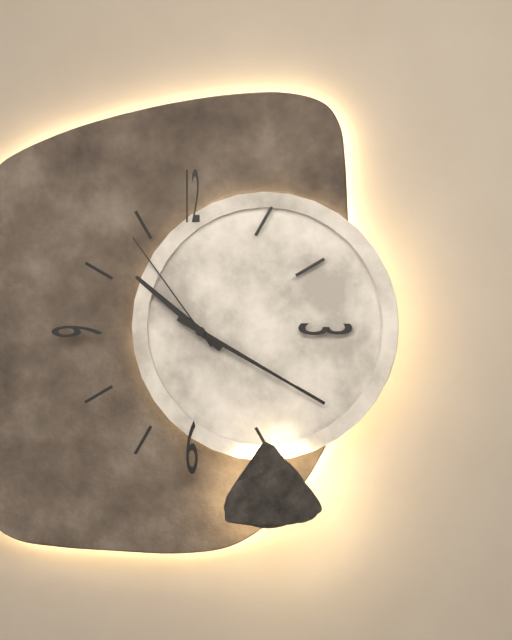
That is h=10 m=20 s=54
